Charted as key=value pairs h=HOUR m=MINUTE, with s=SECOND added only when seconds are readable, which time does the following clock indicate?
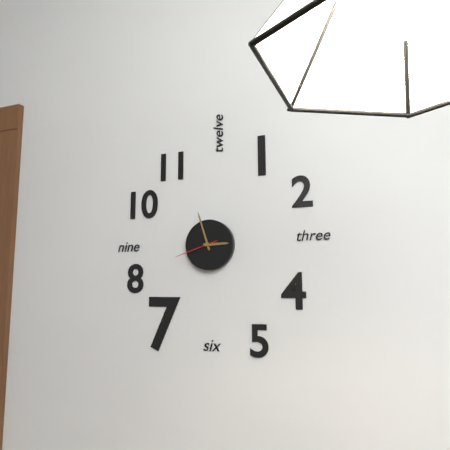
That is h=2 m=57
